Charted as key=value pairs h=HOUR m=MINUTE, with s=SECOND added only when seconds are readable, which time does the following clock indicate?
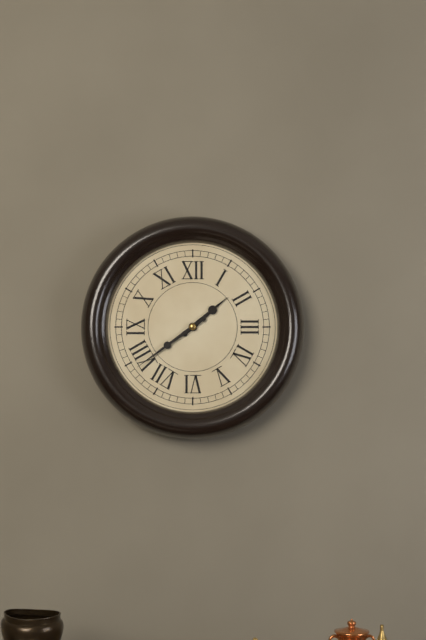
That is h=1 m=39
